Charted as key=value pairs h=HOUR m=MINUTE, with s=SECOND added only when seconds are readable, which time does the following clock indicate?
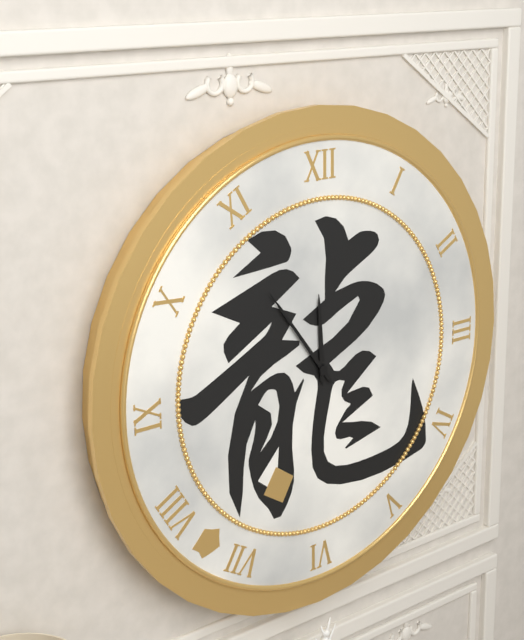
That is h=11 m=54
